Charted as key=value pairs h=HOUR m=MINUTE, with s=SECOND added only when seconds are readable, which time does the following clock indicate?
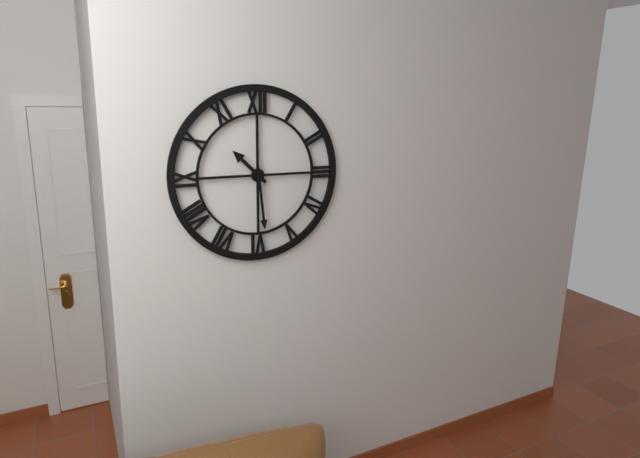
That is h=10 m=29
